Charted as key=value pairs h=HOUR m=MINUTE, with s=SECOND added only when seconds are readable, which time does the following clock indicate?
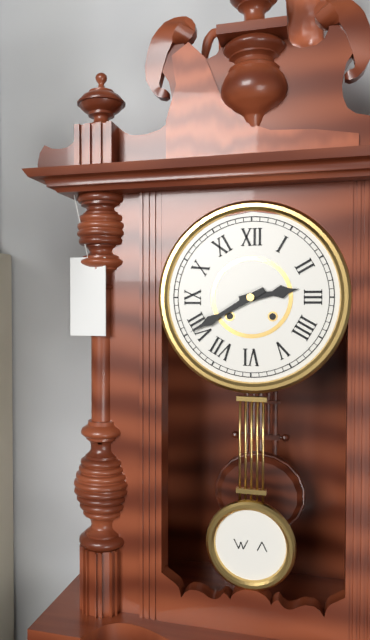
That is h=2 m=40
